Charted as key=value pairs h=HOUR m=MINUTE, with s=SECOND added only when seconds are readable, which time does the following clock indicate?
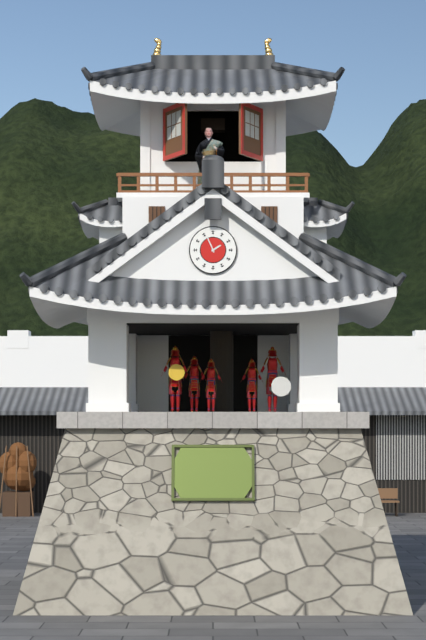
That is h=1 m=56
